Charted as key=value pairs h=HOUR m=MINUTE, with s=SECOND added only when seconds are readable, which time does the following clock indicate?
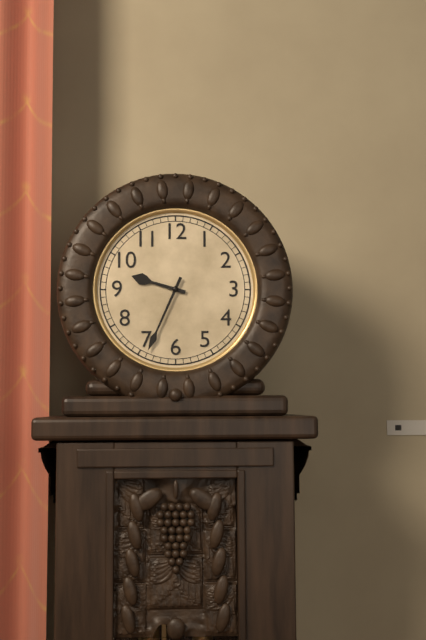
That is h=9 m=34
